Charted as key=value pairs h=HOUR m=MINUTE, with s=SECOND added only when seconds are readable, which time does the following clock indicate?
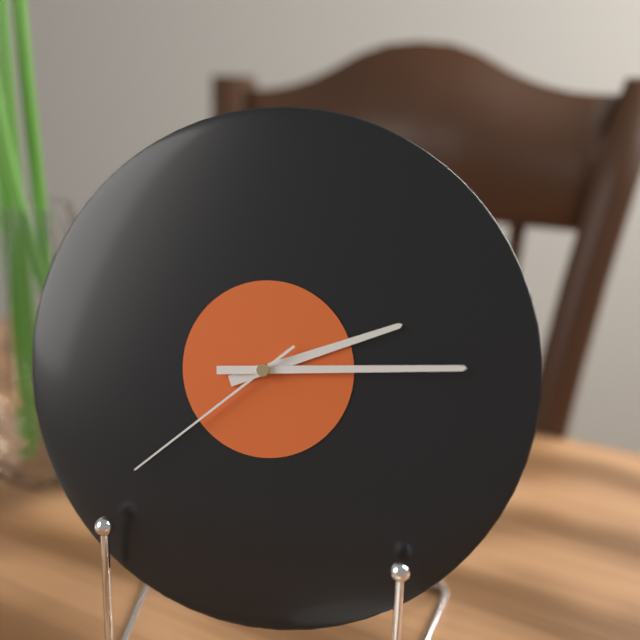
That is h=2 m=14 s=38
